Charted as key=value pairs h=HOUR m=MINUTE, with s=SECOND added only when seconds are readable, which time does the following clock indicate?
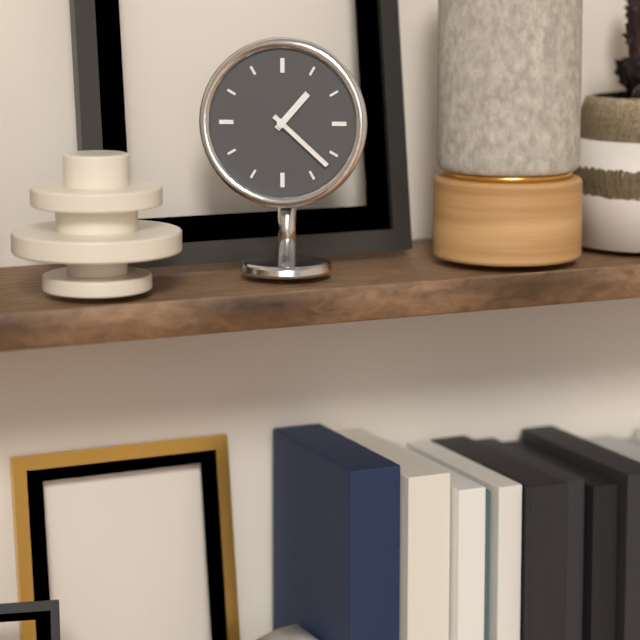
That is h=1 m=22
